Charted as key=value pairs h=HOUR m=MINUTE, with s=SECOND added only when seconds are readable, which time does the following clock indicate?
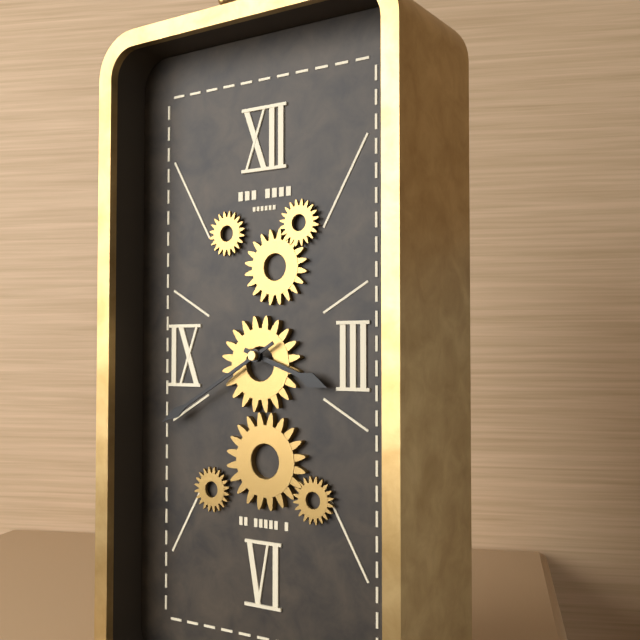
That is h=3 m=40
